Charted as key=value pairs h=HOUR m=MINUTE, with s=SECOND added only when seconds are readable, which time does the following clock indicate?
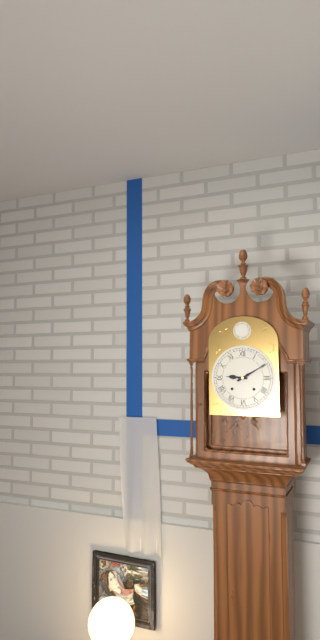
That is h=9 m=10
